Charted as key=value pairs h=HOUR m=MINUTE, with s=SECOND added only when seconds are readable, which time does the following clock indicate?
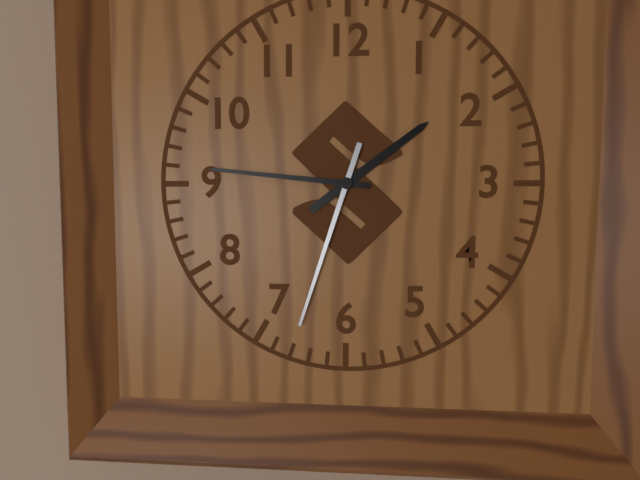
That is h=1 m=46 s=33
